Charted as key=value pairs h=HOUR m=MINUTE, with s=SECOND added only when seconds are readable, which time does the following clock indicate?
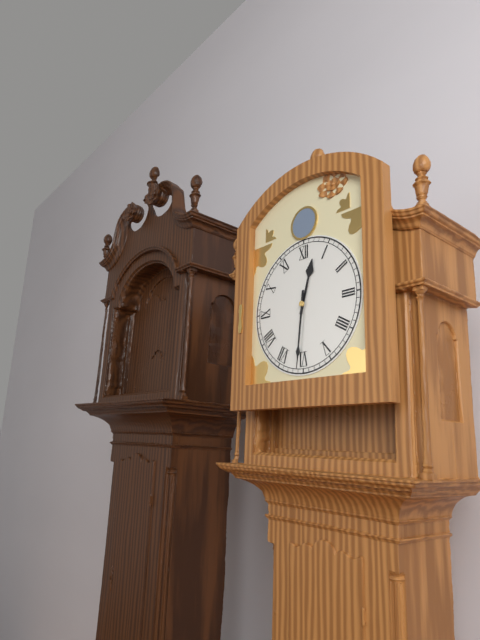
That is h=12 m=31
